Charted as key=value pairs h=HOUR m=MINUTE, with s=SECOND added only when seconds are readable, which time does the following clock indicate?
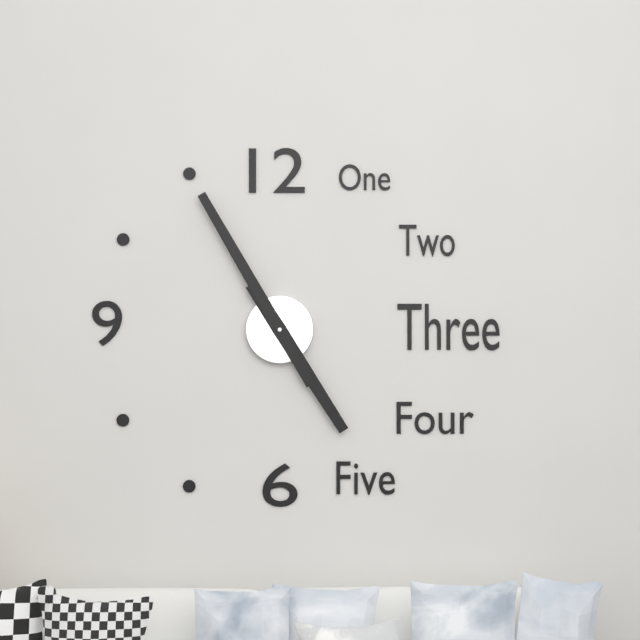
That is h=4 m=55
